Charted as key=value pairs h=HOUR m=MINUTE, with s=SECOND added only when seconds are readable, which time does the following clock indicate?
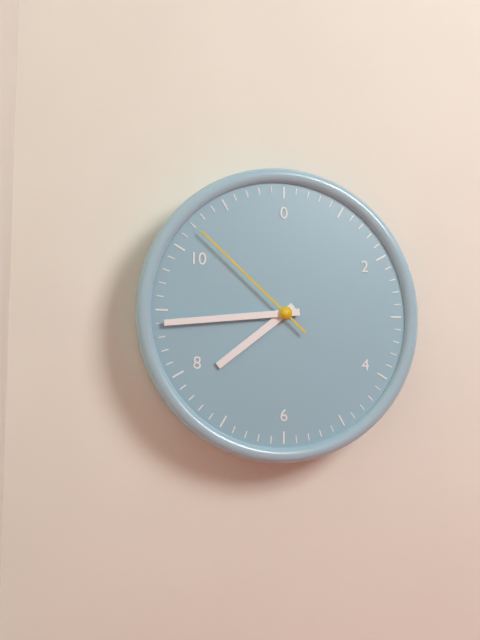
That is h=7 m=44 s=52
